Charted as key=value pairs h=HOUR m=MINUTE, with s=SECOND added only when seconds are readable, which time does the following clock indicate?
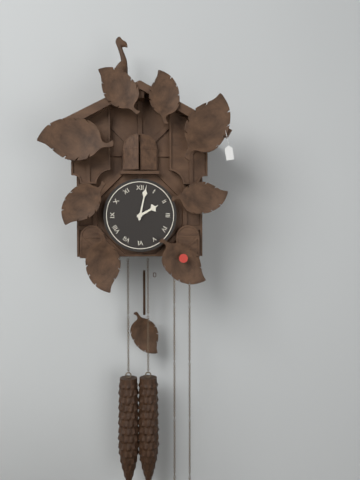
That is h=2 m=2
